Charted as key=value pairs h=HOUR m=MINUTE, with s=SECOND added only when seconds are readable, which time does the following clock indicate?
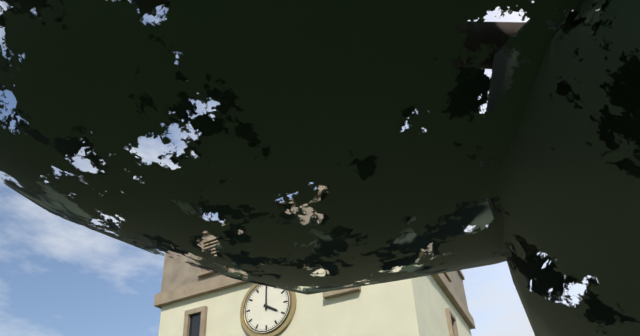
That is h=4 m=0
